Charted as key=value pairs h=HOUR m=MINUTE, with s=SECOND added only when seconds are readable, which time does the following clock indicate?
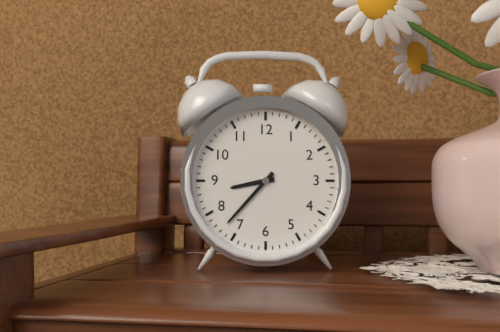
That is h=8 m=37
